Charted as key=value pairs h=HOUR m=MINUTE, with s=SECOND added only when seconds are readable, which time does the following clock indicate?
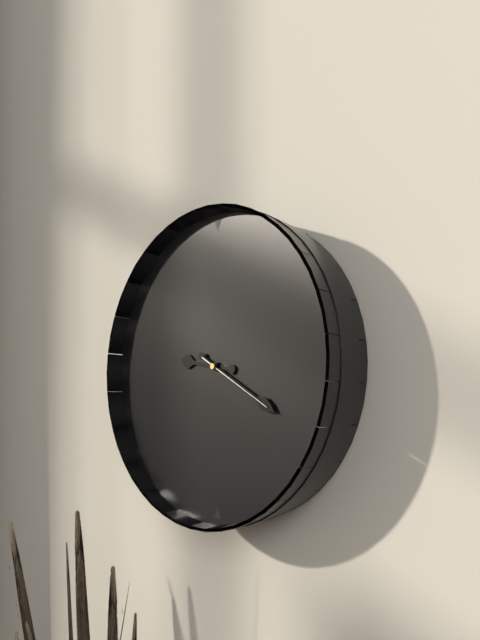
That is h=9 m=20 s=20
